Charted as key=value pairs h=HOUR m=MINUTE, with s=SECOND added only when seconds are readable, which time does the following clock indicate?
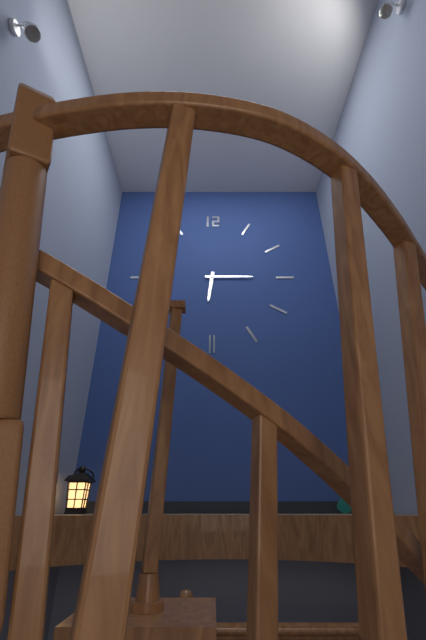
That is h=6 m=15
